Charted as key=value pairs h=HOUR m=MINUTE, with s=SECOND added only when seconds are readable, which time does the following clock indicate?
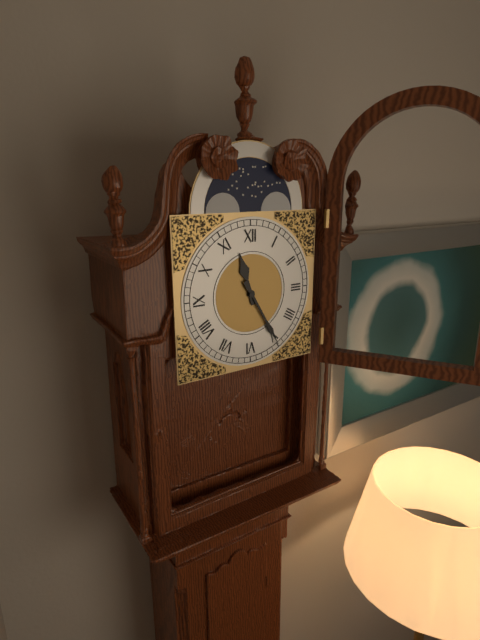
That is h=11 m=25
